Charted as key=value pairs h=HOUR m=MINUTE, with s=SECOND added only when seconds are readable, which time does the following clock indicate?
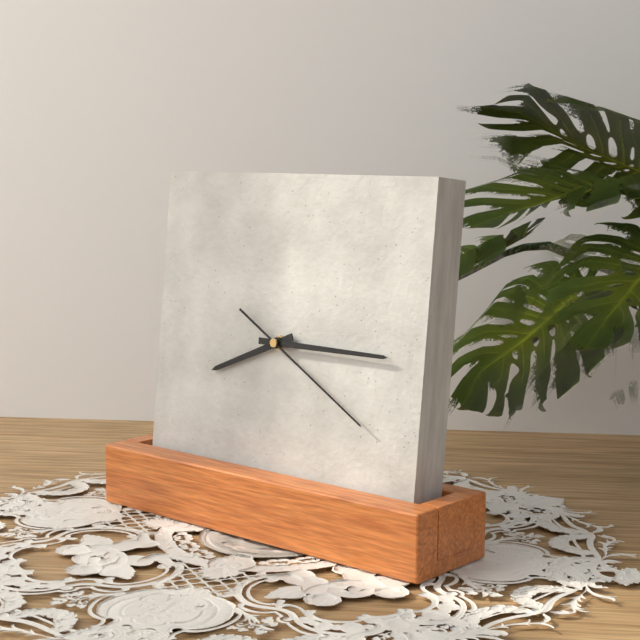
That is h=8 m=15 s=20
